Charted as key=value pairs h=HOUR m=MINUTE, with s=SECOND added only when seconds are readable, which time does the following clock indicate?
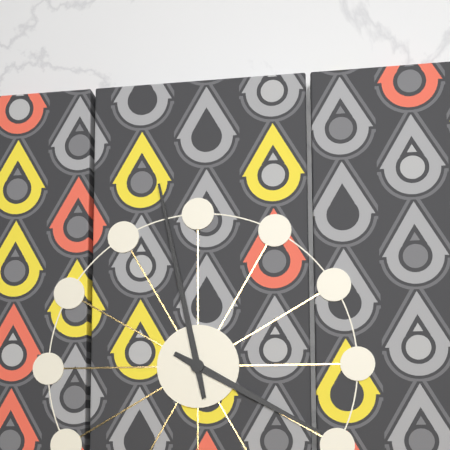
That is h=3 m=58
